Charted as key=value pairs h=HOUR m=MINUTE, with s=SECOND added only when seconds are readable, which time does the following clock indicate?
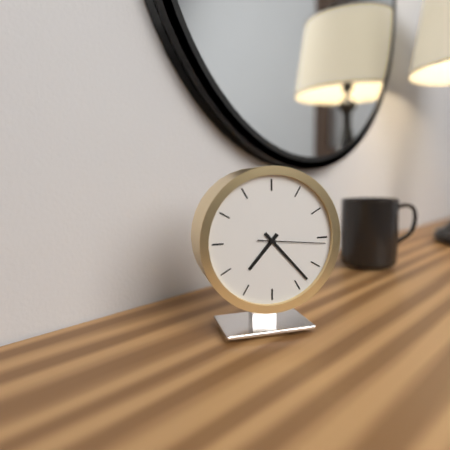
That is h=7 m=23 s=16
